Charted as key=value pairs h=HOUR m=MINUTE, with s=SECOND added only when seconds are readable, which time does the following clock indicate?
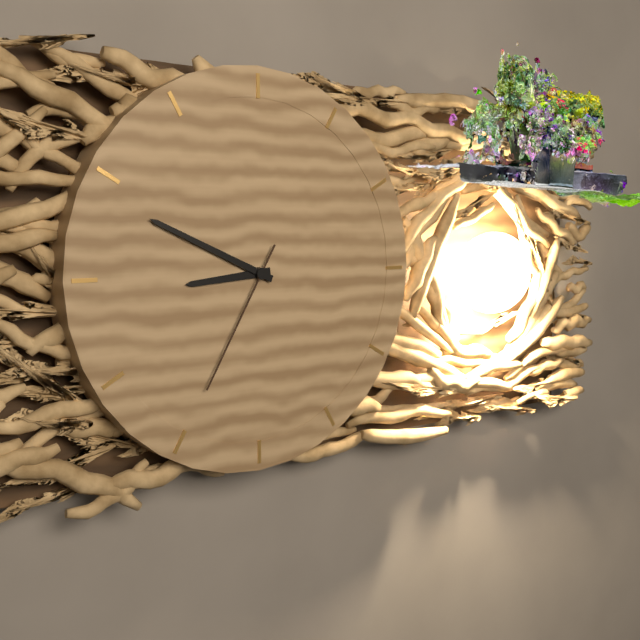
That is h=8 m=49 s=35
